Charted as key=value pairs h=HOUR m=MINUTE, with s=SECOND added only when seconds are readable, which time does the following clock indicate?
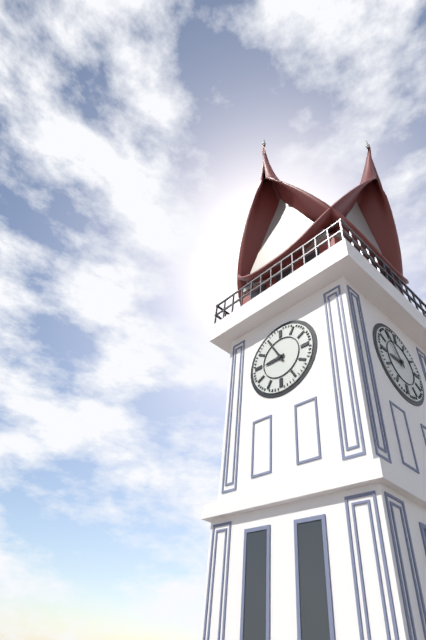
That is h=8 m=55
